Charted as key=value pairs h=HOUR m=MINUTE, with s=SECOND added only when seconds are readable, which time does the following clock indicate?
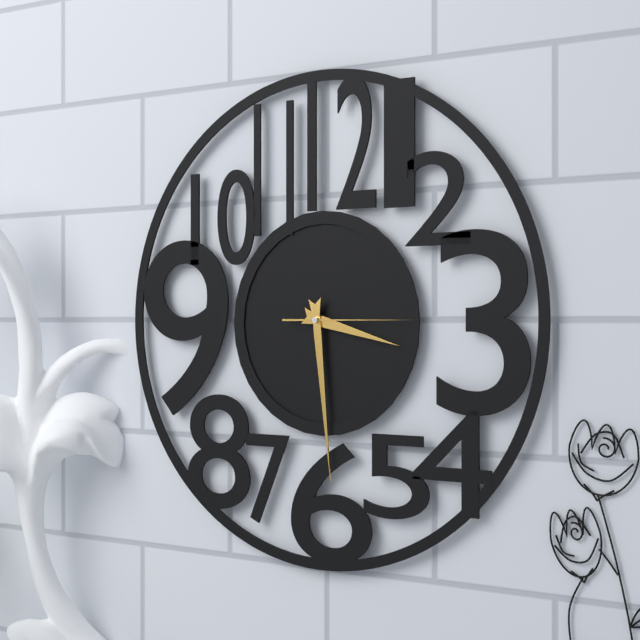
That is h=3 m=29 s=15
